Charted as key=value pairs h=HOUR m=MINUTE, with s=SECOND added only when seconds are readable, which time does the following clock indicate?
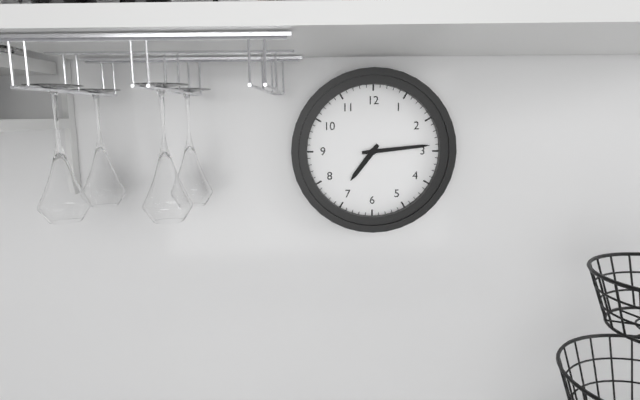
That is h=7 m=14
